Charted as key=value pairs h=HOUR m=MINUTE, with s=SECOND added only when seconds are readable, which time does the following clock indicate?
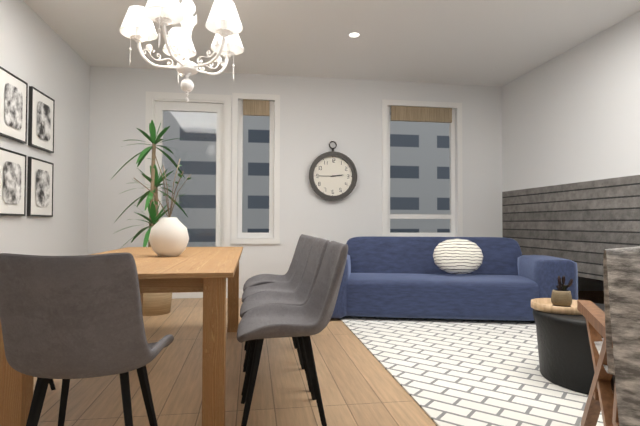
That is h=2 m=45
